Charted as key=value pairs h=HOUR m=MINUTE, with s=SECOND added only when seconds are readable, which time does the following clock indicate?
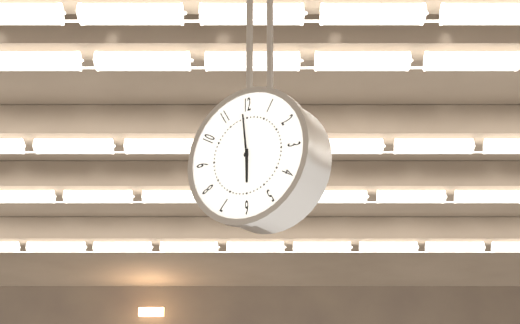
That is h=5 m=59
